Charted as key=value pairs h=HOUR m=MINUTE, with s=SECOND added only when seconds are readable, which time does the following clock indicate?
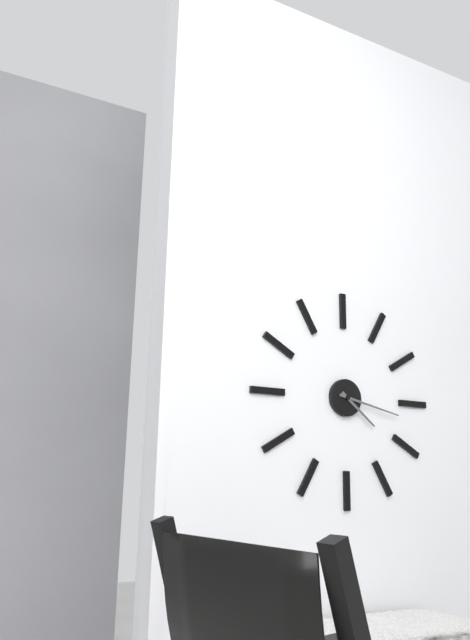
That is h=4 m=17
